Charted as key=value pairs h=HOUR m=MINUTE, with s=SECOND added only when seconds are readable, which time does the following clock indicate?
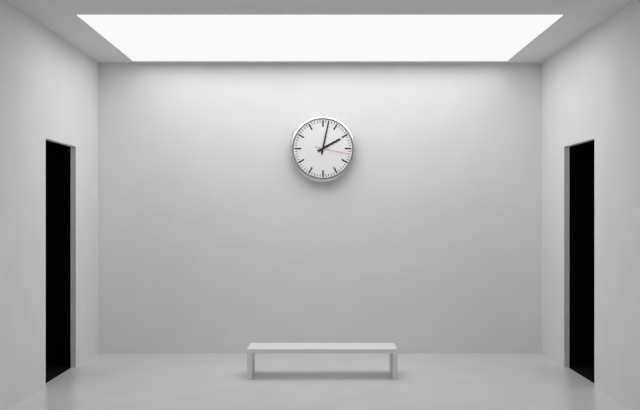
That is h=2 m=2
